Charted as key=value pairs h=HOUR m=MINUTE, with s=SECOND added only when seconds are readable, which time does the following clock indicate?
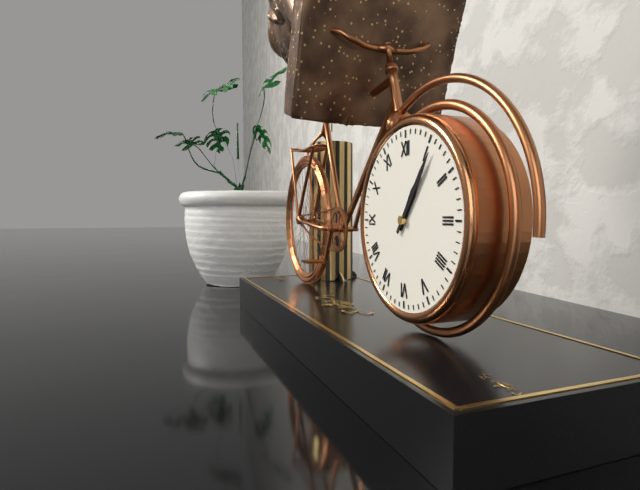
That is h=1 m=6
